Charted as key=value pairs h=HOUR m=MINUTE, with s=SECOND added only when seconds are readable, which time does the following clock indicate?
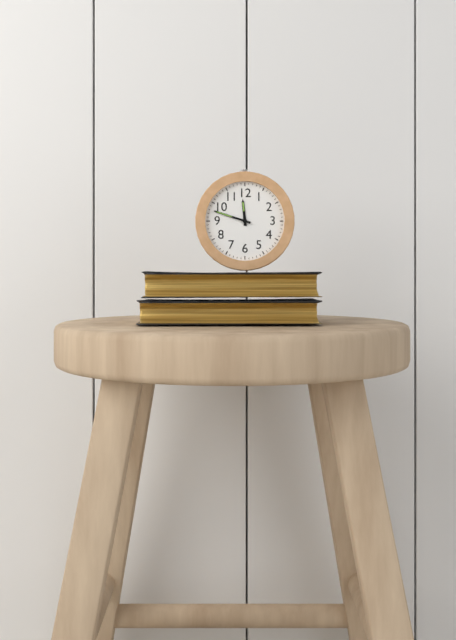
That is h=11 m=48
